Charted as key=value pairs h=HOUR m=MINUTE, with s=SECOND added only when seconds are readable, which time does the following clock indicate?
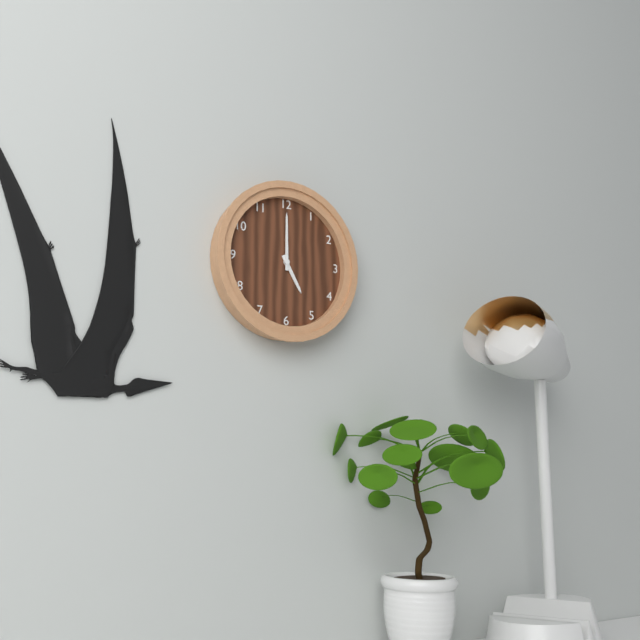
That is h=5 m=0
